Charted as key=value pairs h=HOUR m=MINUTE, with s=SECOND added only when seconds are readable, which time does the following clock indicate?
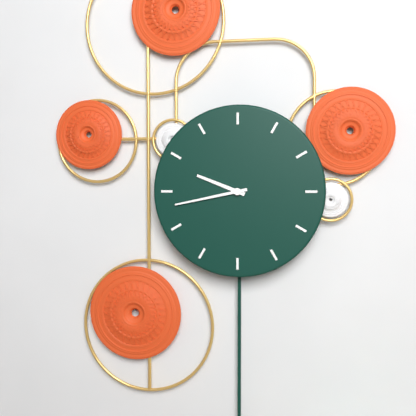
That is h=9 m=43
